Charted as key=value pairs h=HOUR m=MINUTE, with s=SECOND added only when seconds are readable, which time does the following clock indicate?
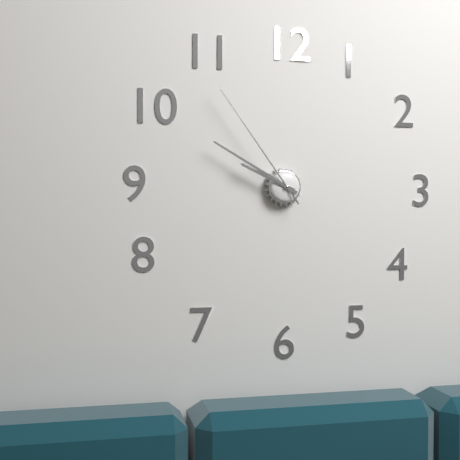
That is h=9 m=50 s=54
